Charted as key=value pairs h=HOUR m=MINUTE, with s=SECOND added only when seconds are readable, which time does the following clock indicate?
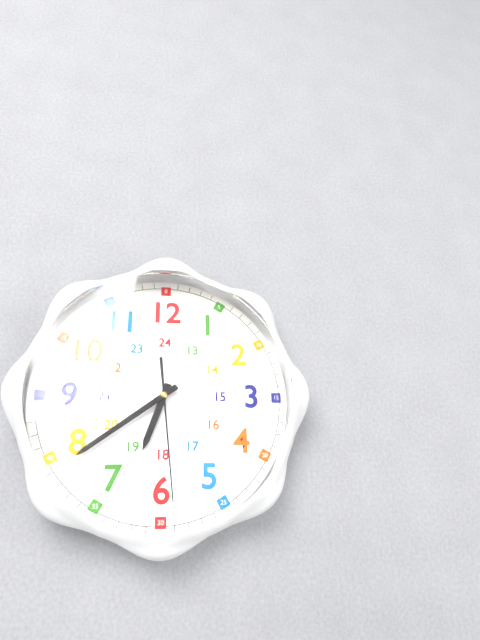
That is h=6 m=39 s=29
